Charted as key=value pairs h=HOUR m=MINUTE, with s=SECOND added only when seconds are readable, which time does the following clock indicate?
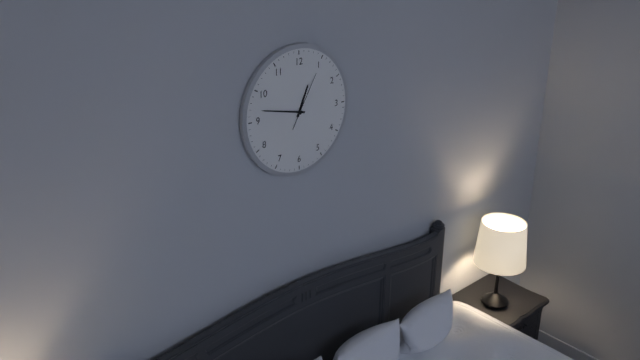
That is h=12 m=47 s=5
